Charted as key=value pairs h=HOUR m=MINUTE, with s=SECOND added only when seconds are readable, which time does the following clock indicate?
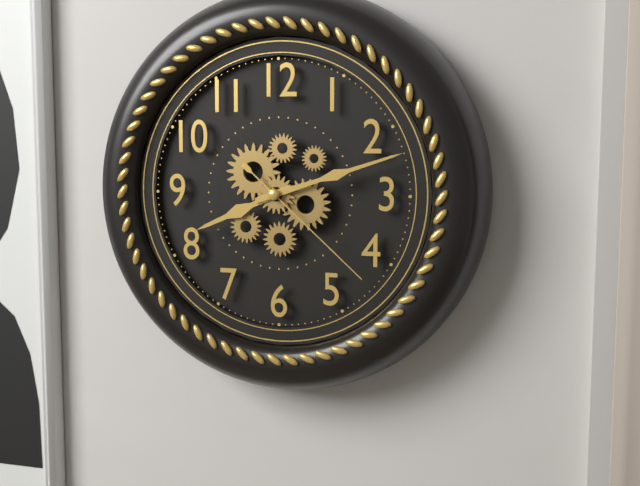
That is h=8 m=12 s=22
